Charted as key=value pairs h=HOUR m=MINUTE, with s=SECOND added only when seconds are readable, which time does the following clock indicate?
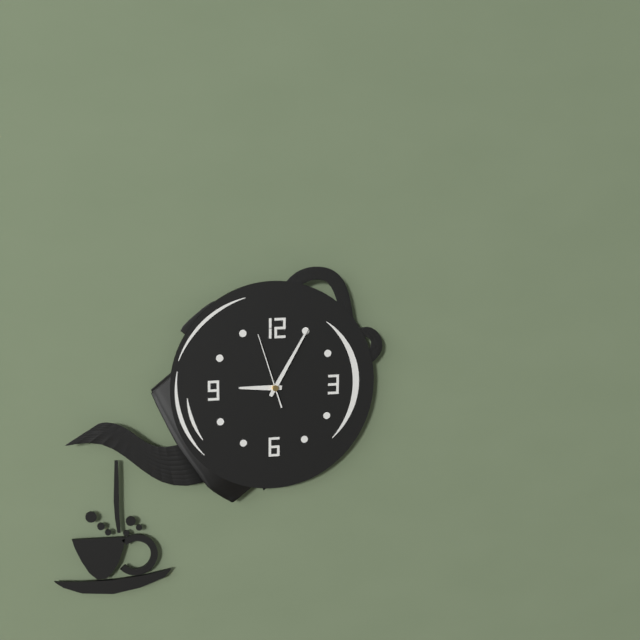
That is h=9 m=5 s=57
